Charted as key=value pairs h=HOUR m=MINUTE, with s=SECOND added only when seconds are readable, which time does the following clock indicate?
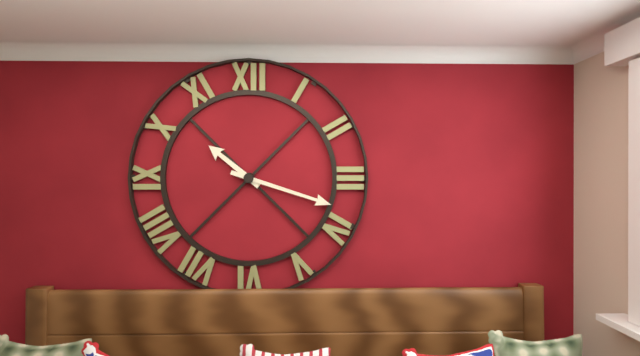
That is h=10 m=18
